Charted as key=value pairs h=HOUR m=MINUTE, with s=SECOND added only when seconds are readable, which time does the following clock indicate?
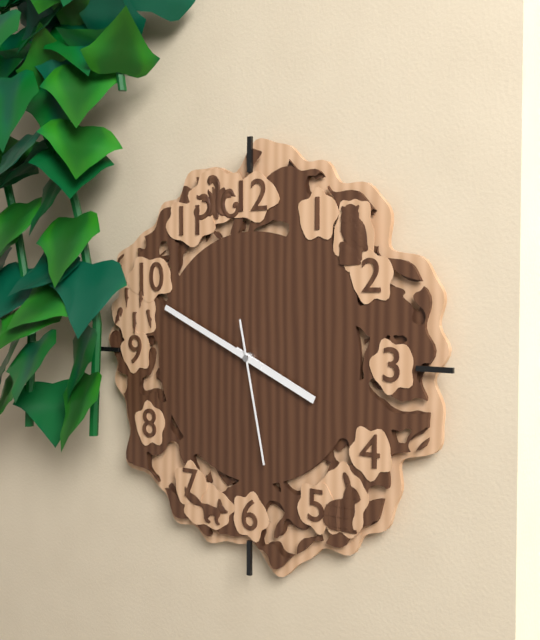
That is h=3 m=49 s=28
